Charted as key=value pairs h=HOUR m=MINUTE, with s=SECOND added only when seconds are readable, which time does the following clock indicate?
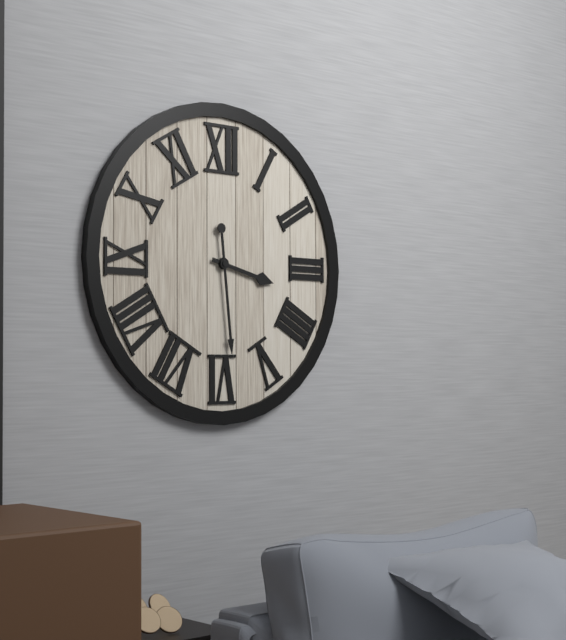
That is h=3 m=29
